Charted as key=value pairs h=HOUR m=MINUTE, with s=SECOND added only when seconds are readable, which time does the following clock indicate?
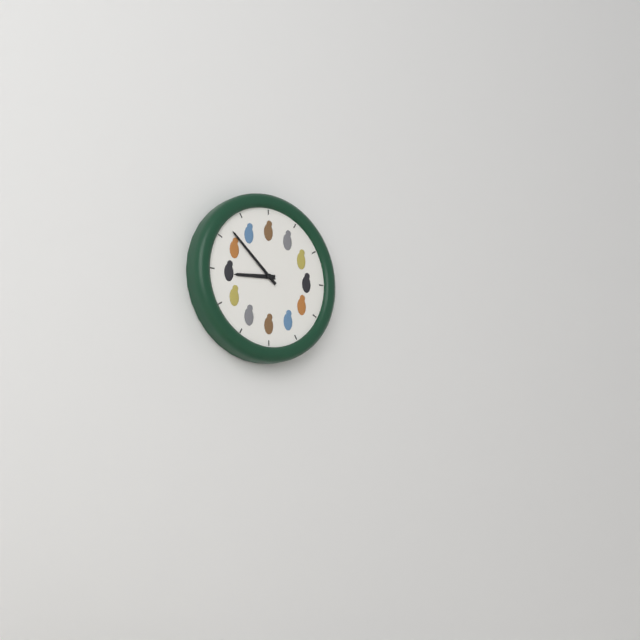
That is h=8 m=52
